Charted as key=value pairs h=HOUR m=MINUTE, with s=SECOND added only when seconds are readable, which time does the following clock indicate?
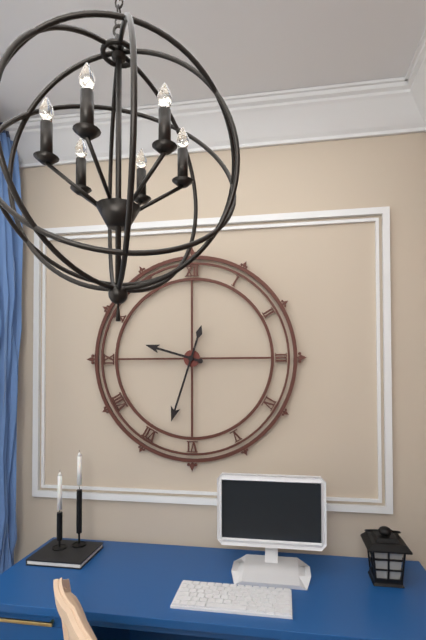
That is h=9 m=33
